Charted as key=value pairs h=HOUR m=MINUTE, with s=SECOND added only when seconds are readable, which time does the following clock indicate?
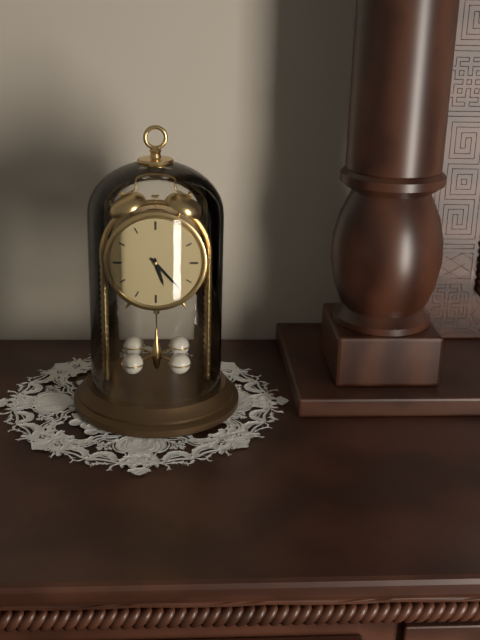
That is h=5 m=23
